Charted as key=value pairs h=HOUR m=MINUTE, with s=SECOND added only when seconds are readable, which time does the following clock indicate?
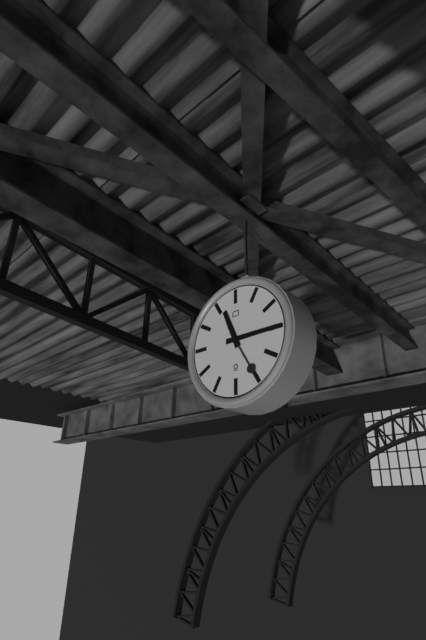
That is h=11 m=15 s=25
